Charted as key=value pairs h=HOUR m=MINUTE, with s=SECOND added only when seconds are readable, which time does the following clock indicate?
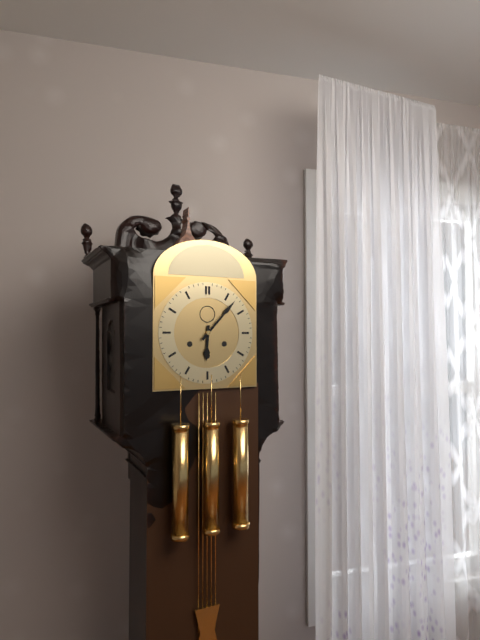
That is h=6 m=7
